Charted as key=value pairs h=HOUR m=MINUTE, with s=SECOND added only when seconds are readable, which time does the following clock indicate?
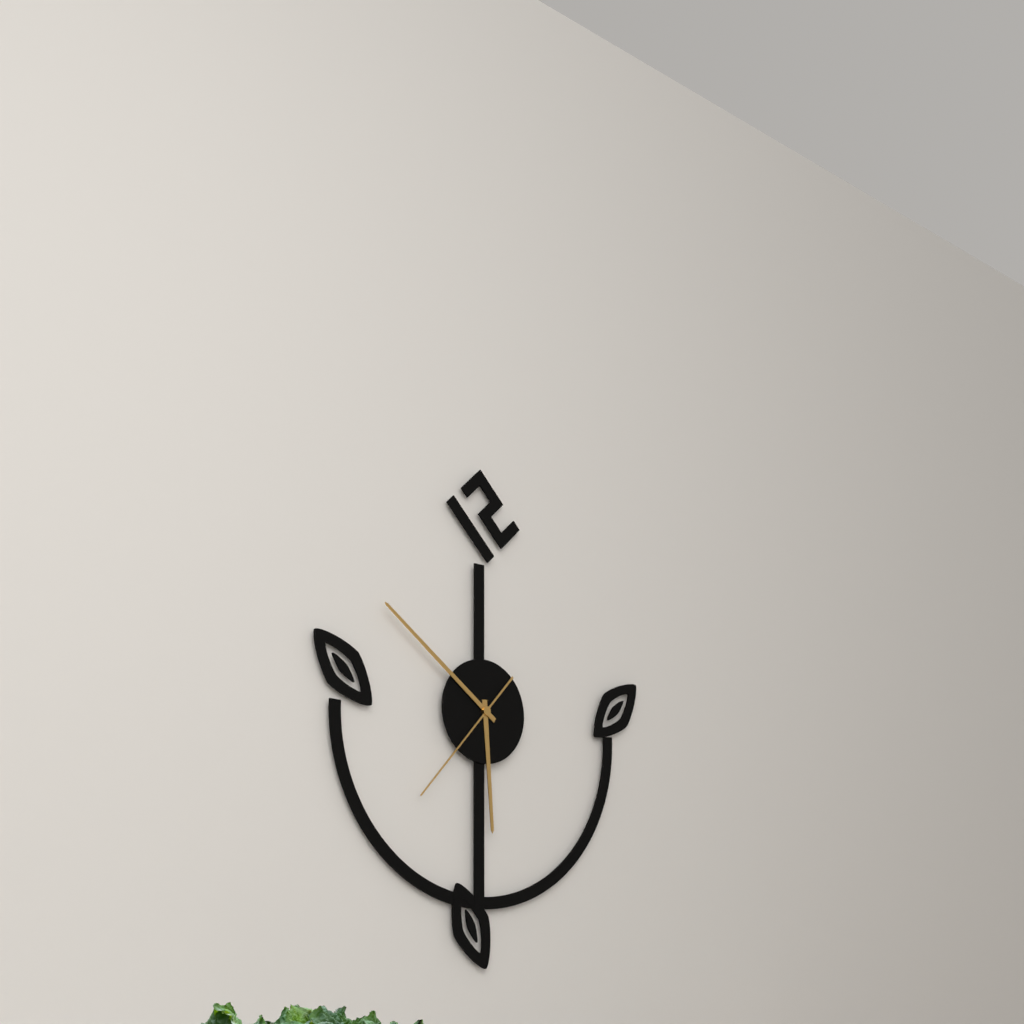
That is h=5 m=51 s=37
